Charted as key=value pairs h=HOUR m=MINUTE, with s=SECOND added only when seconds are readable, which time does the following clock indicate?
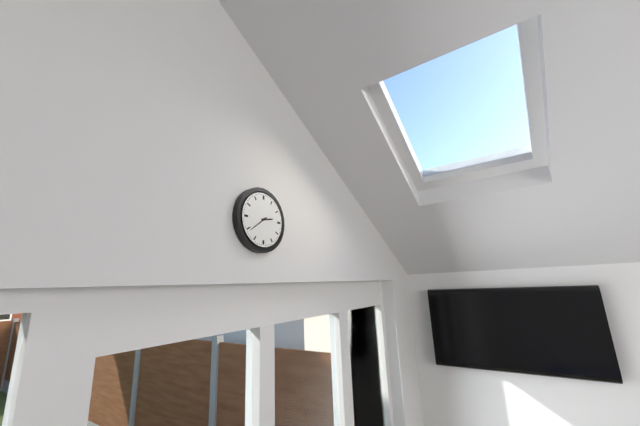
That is h=2 m=39
